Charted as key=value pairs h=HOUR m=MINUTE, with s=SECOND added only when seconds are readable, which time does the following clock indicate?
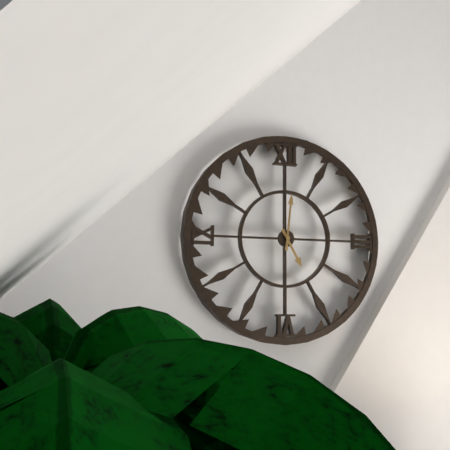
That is h=5 m=1
